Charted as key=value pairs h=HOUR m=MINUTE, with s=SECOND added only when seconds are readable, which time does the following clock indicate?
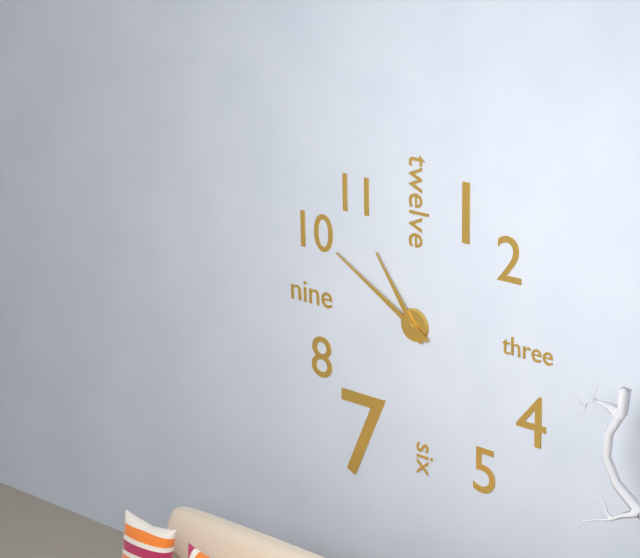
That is h=10 m=50
